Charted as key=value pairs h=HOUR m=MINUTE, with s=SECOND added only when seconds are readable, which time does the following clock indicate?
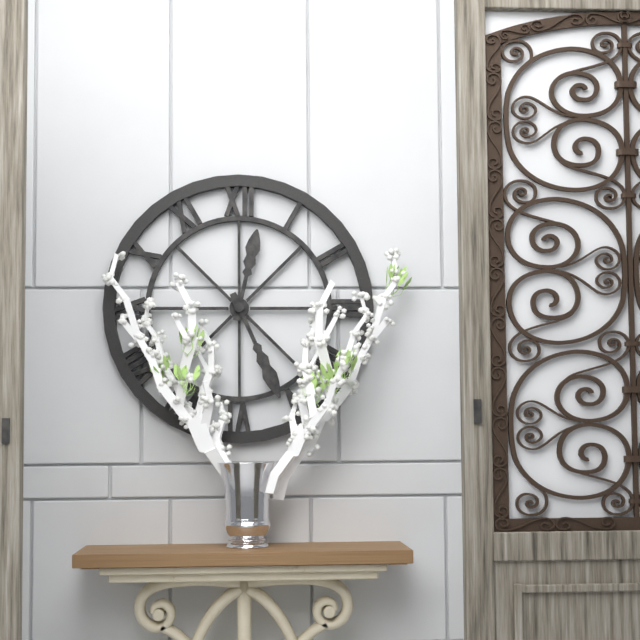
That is h=12 m=26
